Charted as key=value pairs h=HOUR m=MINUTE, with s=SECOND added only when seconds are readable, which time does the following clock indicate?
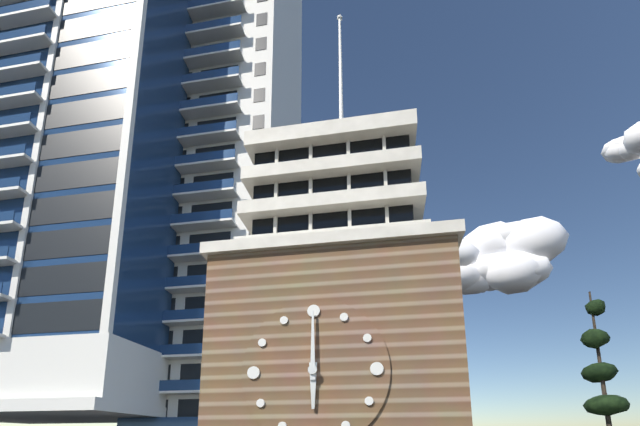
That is h=6 m=0
